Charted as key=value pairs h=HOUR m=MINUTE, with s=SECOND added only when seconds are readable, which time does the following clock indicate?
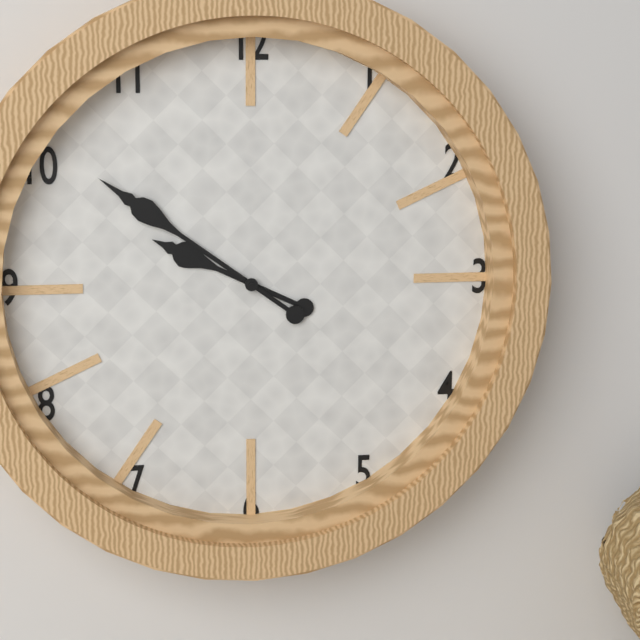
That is h=9 m=51
